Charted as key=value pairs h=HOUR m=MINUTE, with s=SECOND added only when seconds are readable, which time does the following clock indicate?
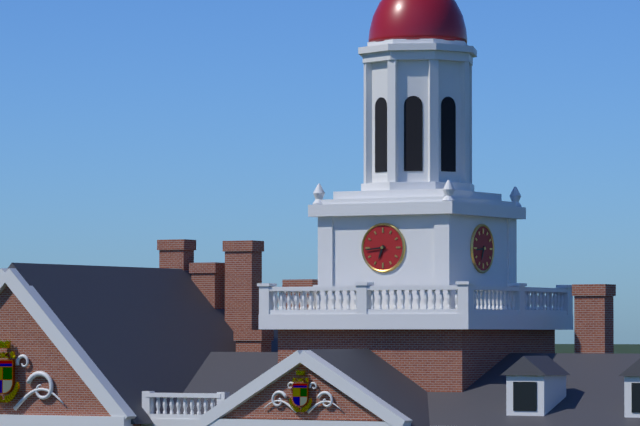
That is h=6 m=44
